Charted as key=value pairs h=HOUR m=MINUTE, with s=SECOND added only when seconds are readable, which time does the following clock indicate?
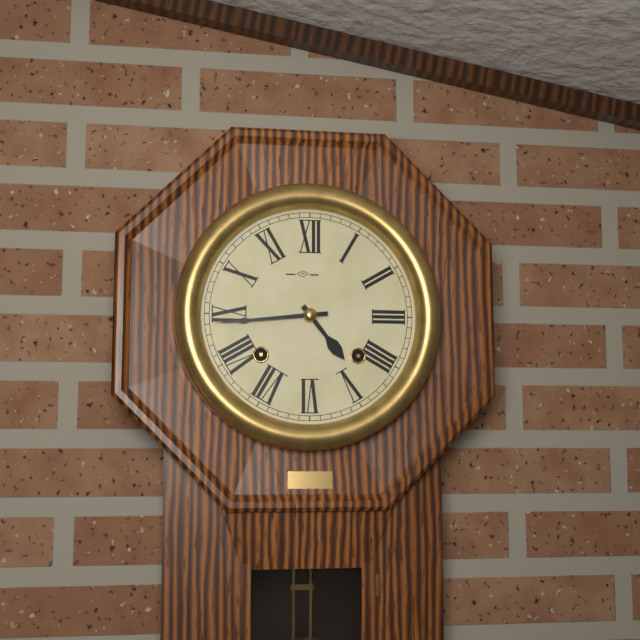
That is h=4 m=44
